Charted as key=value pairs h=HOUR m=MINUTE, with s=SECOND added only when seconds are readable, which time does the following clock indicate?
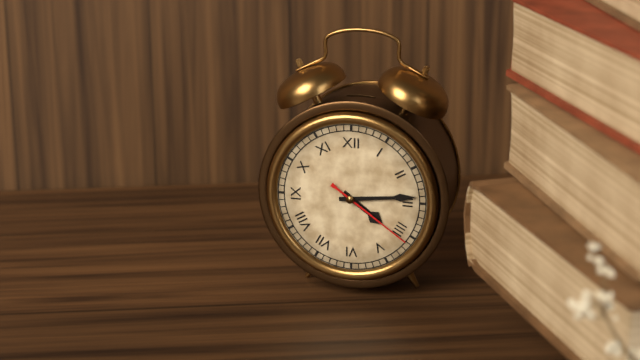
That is h=4 m=14 s=21
